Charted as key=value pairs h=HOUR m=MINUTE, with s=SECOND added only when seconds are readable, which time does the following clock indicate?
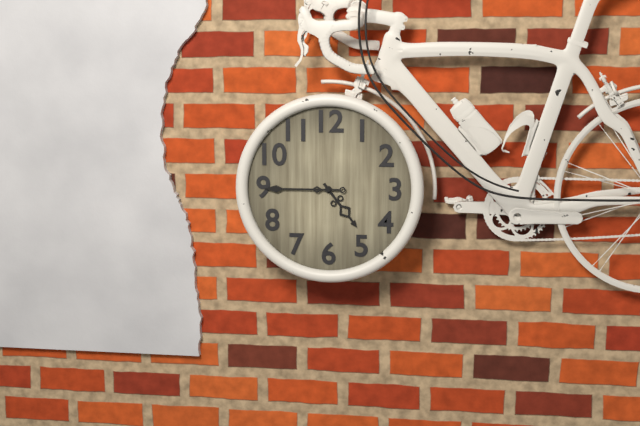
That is h=4 m=45
